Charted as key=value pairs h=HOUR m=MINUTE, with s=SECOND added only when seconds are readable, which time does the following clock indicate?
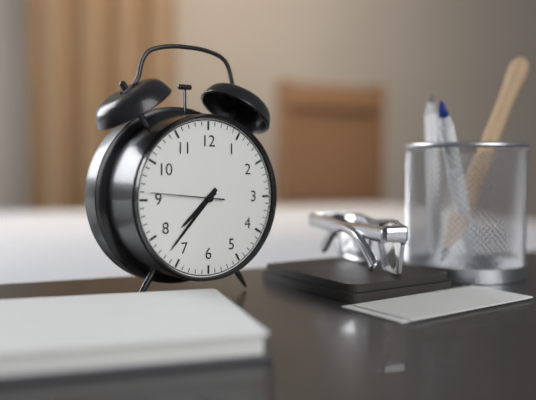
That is h=7 m=37 s=46
